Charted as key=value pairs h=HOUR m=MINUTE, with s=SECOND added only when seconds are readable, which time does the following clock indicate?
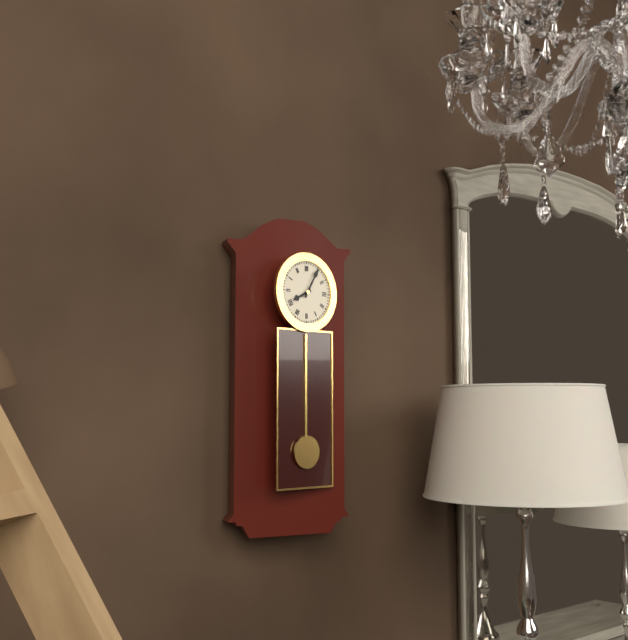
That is h=8 m=5
